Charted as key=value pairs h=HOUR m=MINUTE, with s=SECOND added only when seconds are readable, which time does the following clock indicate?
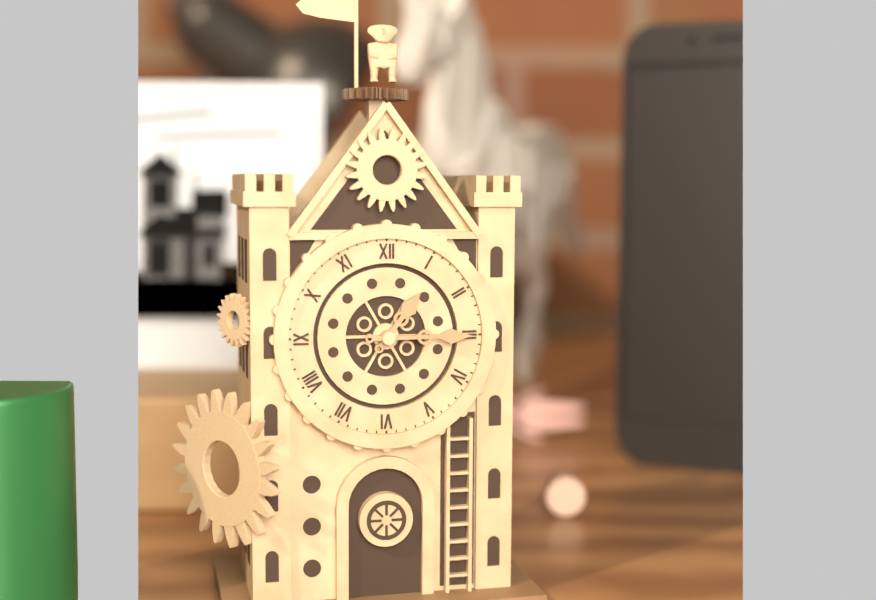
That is h=1 m=15
